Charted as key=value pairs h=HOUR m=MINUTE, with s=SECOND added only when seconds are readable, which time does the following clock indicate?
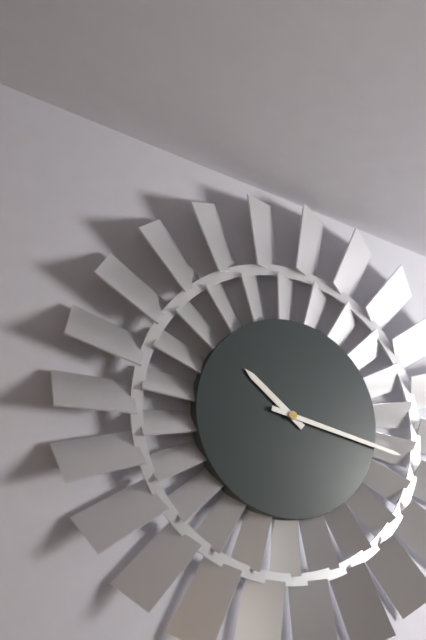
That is h=10 m=17
